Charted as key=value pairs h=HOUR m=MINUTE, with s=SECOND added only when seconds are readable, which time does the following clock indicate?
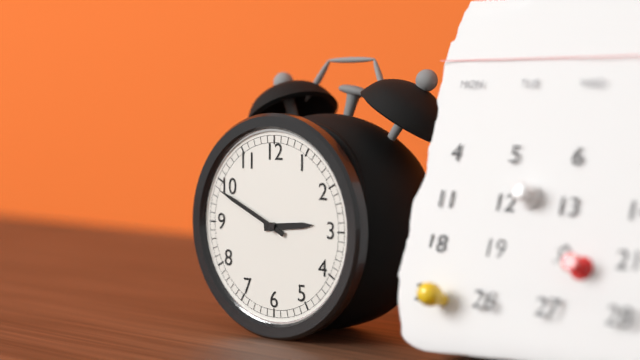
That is h=2 m=49
